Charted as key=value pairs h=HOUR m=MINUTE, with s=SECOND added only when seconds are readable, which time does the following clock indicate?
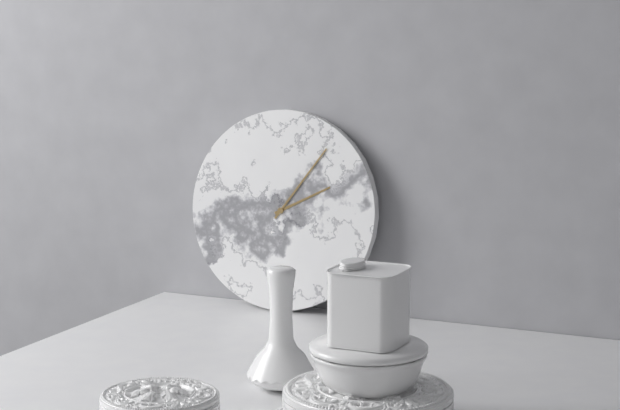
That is h=2 m=6
